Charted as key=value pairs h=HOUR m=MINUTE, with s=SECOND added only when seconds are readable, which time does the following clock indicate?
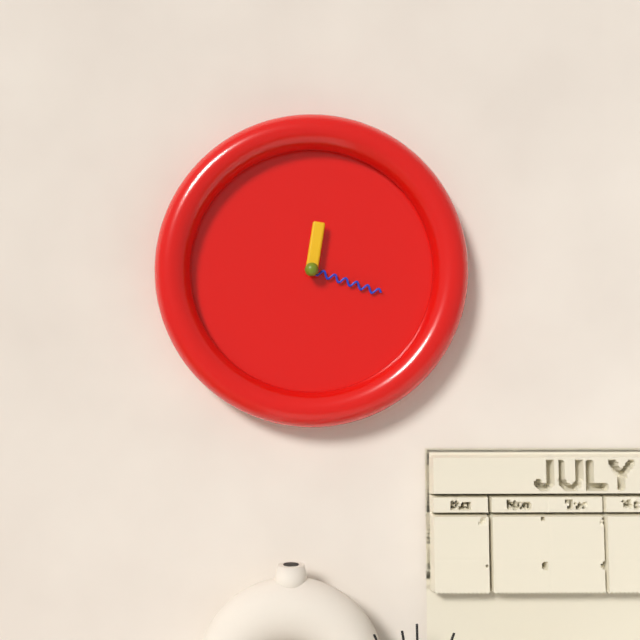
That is h=12 m=18
